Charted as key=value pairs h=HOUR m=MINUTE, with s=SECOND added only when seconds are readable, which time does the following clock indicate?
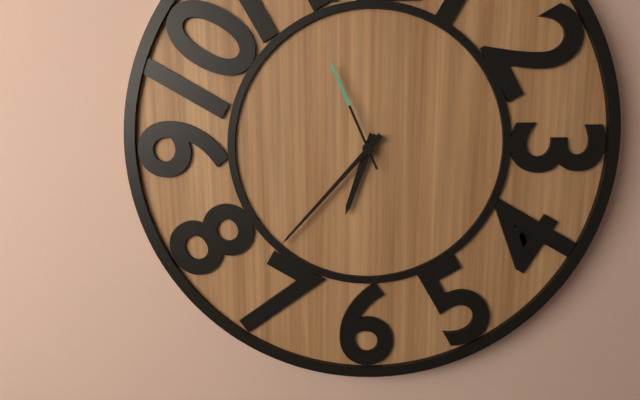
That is h=6 m=37 s=56
